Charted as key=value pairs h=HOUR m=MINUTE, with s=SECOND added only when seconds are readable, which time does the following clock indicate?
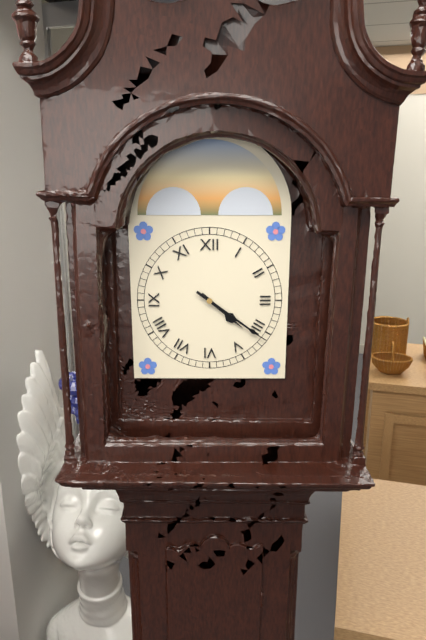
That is h=4 m=21
